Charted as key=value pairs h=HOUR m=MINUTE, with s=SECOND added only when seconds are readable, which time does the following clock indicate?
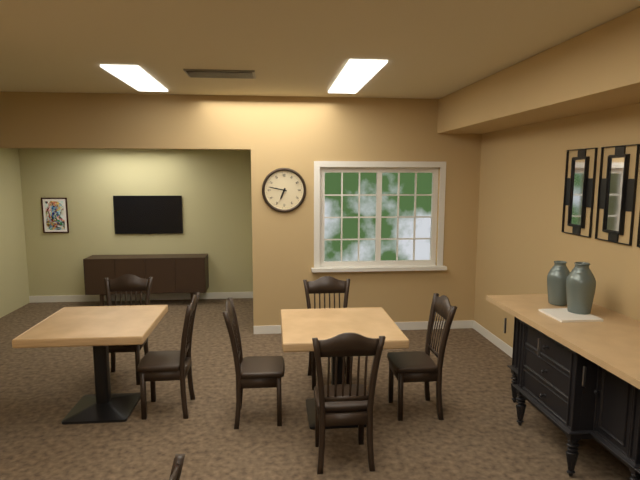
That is h=6 m=47
